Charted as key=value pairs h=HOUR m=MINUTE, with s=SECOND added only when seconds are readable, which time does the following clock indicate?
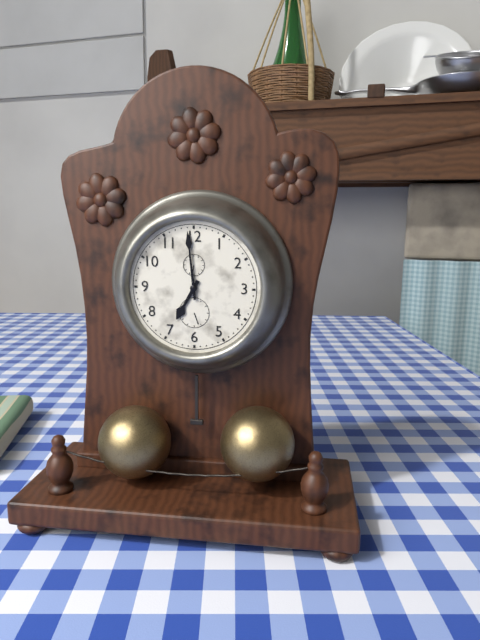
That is h=6 m=59
